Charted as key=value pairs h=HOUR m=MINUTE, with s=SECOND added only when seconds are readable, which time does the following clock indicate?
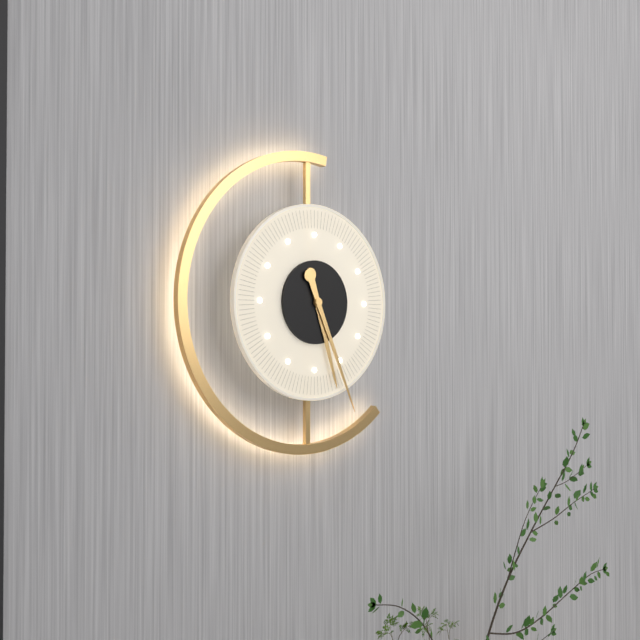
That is h=5 m=26
